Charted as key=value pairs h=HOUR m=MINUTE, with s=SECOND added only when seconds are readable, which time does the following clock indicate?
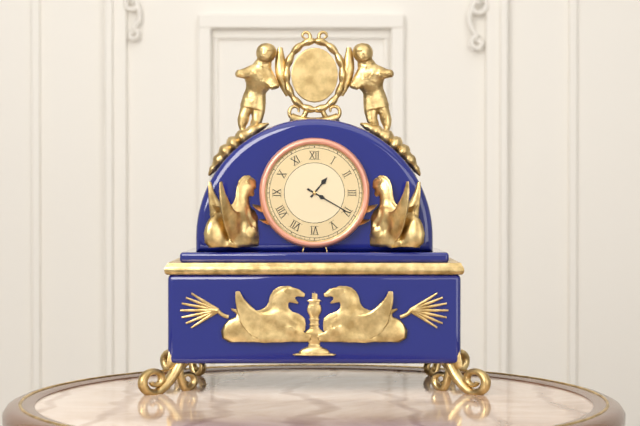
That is h=1 m=20
